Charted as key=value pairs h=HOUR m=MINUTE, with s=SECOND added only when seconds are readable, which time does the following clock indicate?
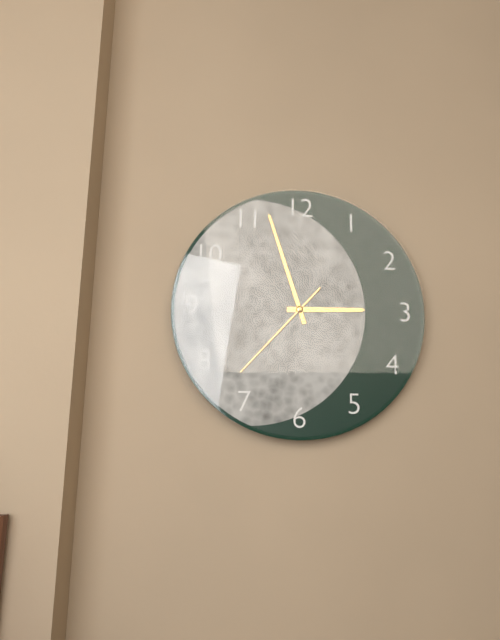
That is h=2 m=57 s=37
